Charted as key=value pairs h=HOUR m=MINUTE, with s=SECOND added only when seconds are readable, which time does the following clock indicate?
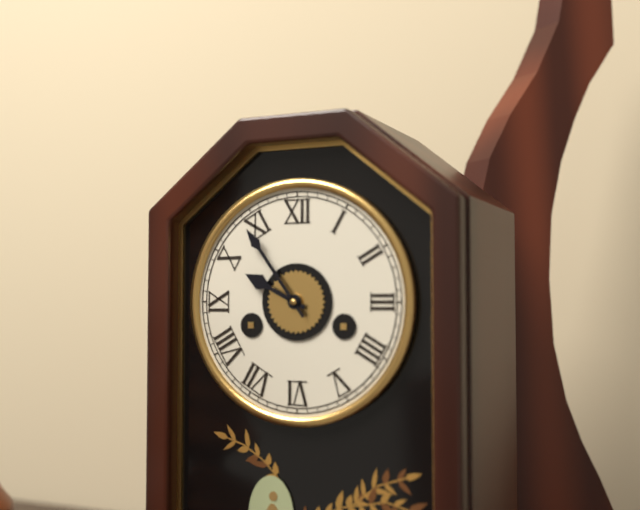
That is h=9 m=54
